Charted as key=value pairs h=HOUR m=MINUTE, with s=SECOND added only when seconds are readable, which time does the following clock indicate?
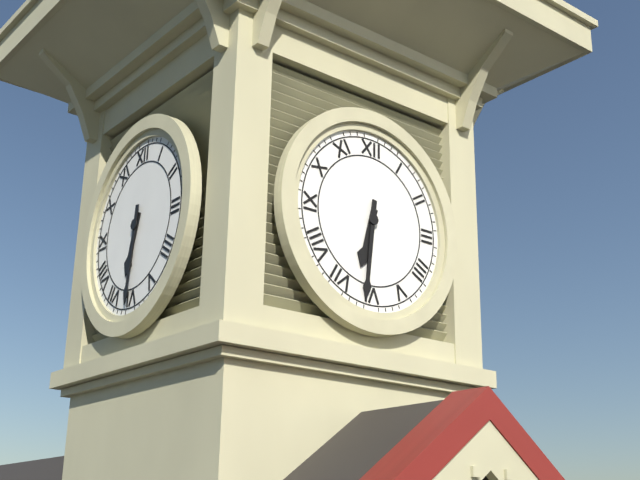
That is h=6 m=31
